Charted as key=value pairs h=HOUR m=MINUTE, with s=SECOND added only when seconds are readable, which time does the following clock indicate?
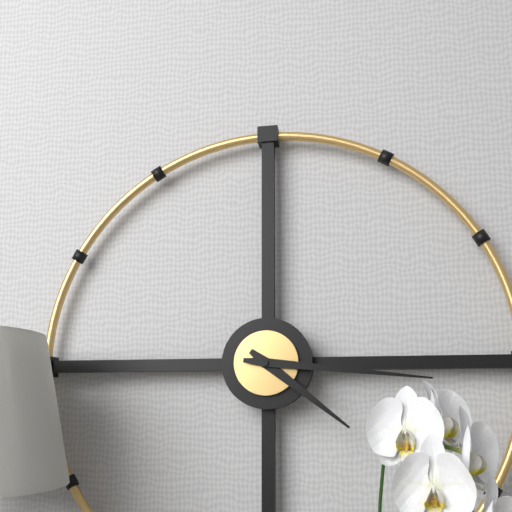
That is h=4 m=16
